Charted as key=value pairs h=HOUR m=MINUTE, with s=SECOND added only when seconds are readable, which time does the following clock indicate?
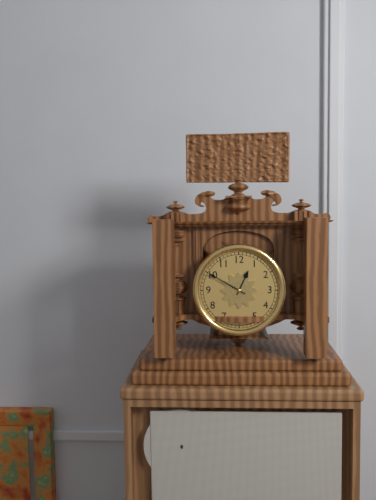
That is h=12 m=50
